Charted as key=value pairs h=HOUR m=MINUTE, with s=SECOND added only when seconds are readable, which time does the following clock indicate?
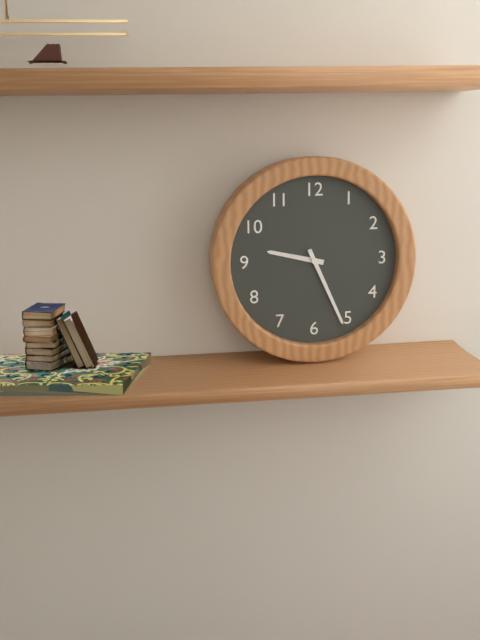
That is h=9 m=26
